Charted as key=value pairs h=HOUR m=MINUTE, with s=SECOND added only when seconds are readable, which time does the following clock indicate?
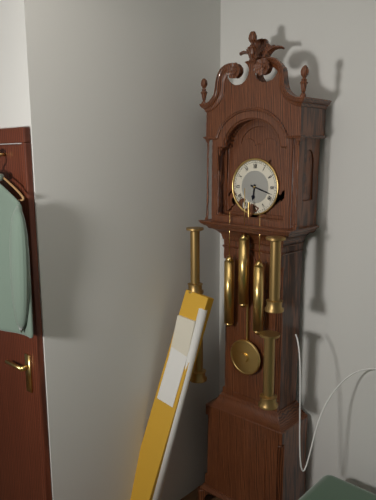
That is h=6 m=18
